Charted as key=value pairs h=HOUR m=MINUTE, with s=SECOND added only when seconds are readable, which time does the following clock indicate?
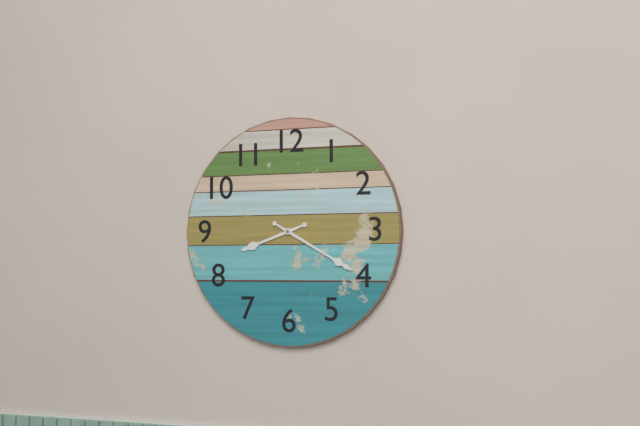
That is h=8 m=20
